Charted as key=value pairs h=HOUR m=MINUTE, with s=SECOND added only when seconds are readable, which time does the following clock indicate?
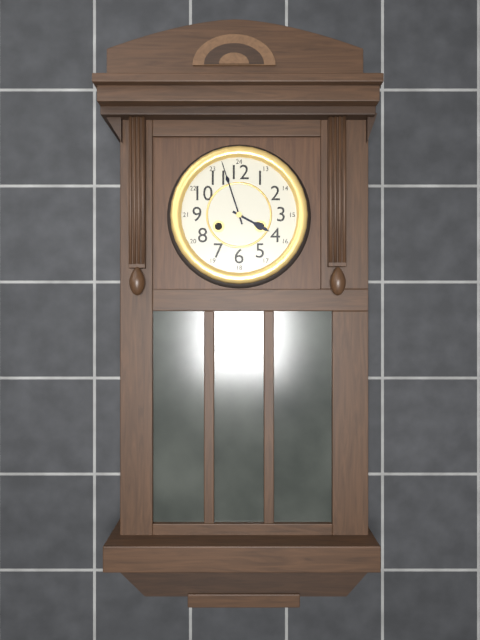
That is h=3 m=57
